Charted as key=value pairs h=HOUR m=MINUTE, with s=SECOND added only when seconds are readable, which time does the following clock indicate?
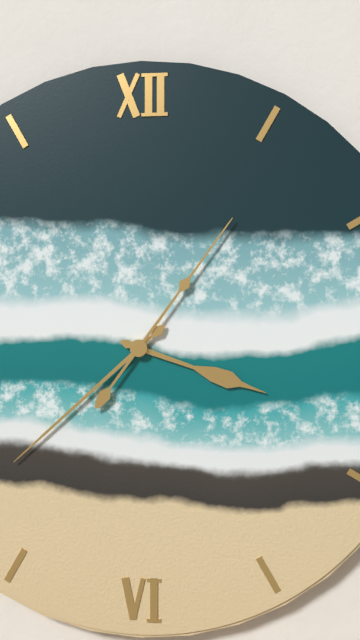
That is h=3 m=38 s=6
